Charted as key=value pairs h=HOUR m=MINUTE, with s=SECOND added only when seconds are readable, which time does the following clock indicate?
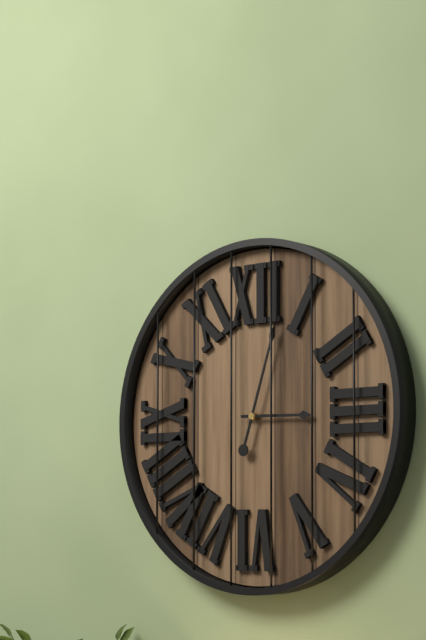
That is h=3 m=3
